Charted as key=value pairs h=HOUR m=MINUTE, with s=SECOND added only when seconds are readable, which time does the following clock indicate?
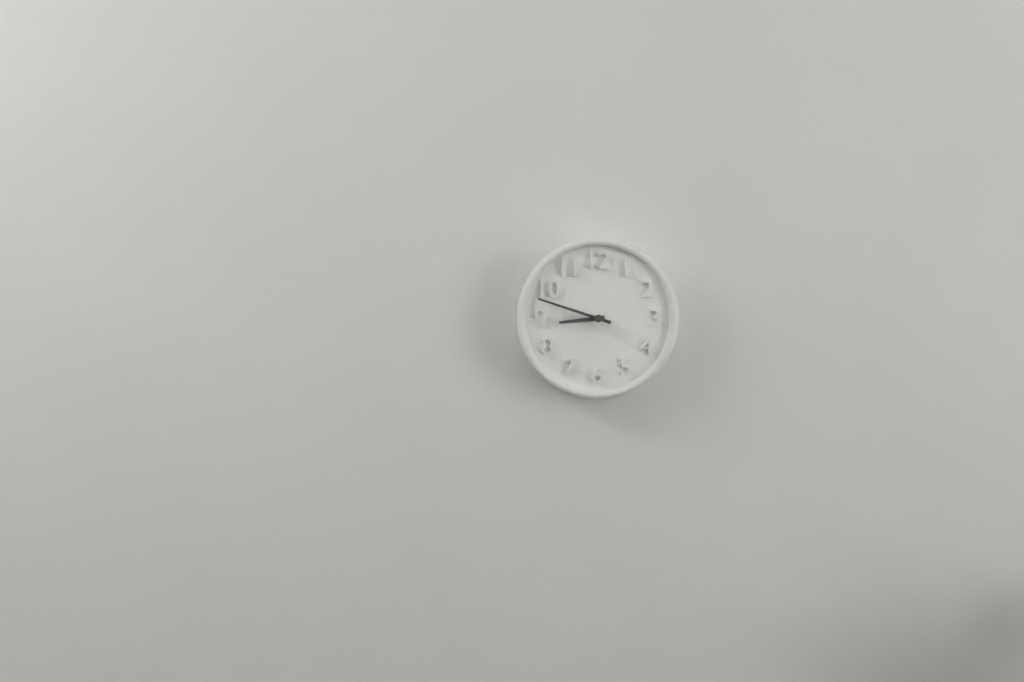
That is h=8 m=48
